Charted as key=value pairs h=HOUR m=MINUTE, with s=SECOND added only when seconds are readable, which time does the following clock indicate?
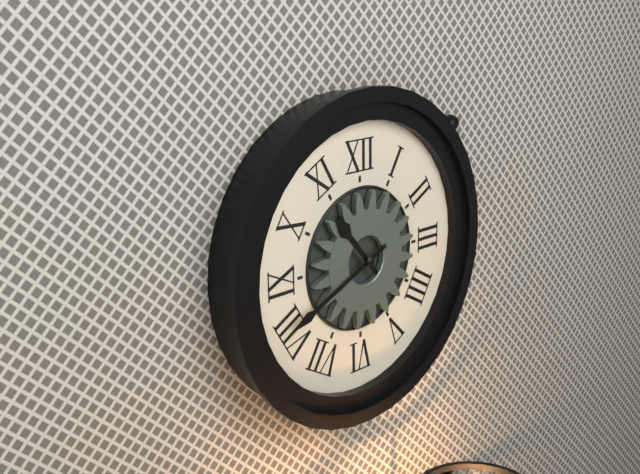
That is h=10 m=41
